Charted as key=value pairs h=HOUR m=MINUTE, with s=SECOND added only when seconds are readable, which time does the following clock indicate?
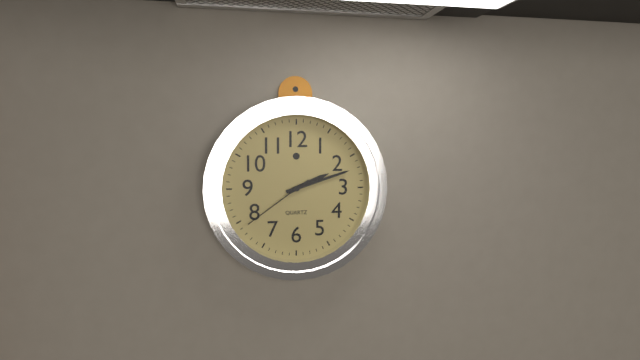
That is h=2 m=12 s=39
